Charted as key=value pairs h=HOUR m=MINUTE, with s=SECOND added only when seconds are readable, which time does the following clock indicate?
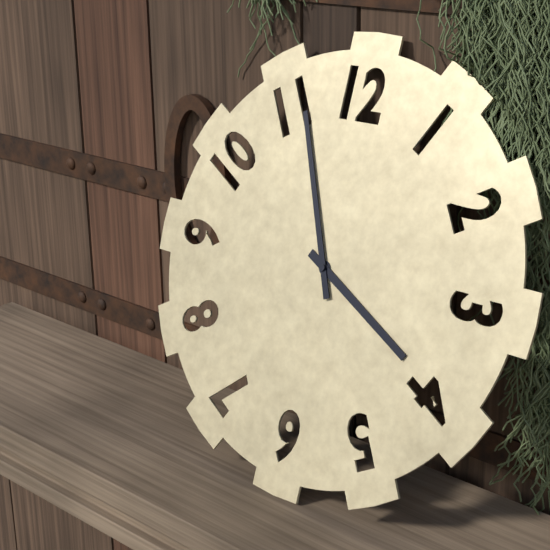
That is h=3 m=56
